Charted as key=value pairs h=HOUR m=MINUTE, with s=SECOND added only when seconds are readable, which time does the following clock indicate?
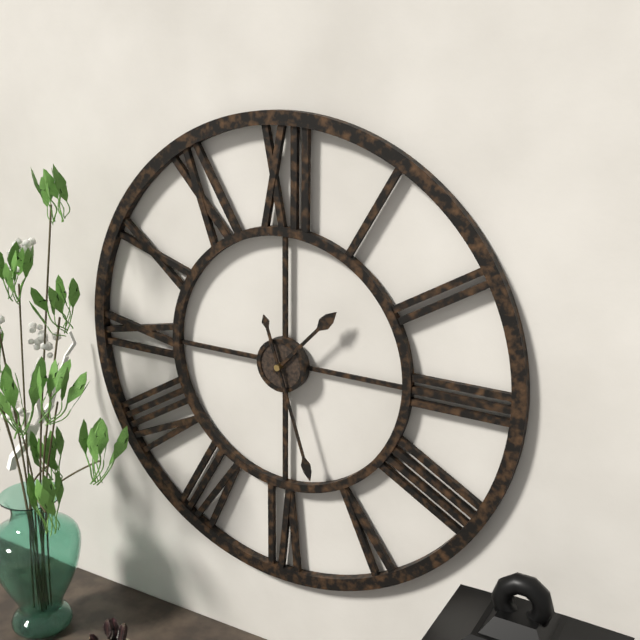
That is h=1 m=27
